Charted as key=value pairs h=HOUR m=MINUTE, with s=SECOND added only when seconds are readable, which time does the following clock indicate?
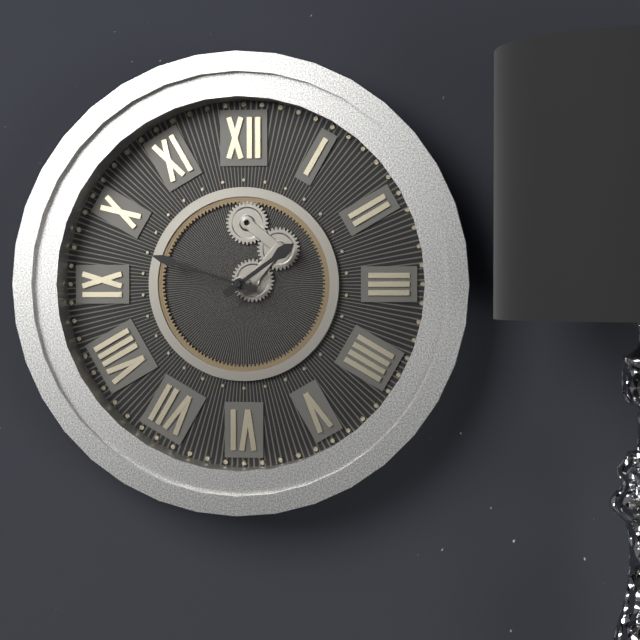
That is h=1 m=48
